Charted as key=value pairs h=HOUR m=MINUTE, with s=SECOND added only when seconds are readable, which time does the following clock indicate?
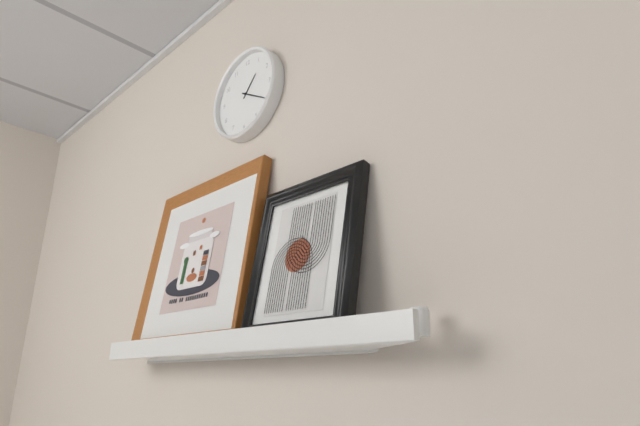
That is h=1 m=20
